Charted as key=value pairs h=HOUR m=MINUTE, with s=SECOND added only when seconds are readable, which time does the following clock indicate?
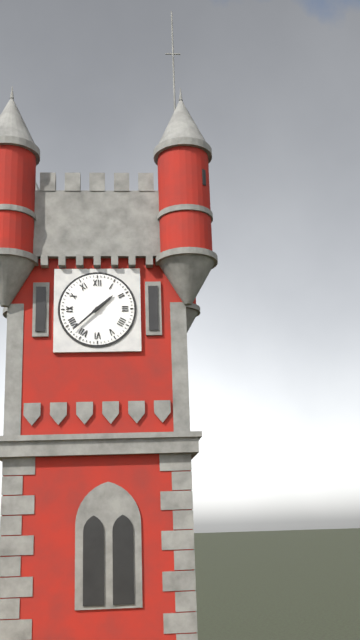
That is h=1 m=38
